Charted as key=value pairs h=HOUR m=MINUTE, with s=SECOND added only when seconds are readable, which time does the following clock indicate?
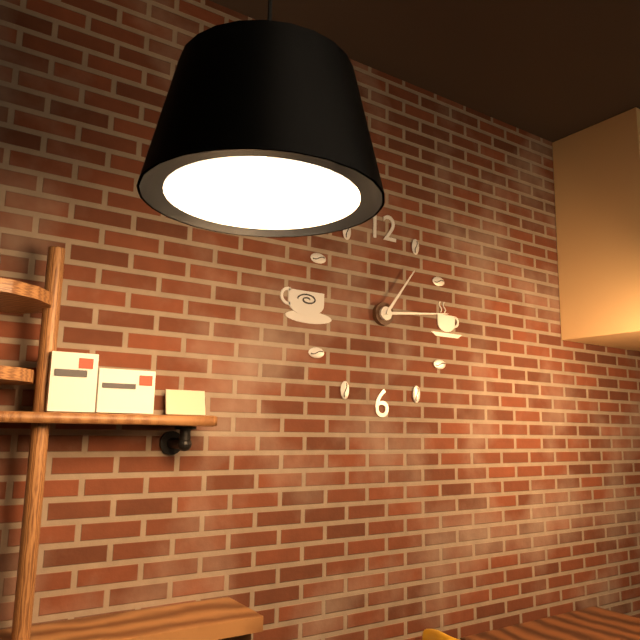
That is h=1 m=14
